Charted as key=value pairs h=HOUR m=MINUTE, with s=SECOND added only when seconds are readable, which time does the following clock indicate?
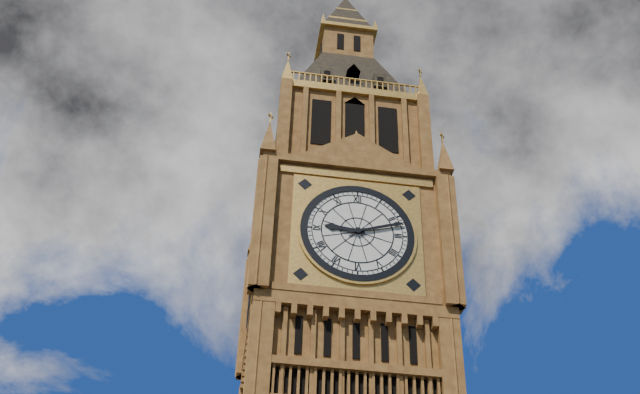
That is h=9 m=12
